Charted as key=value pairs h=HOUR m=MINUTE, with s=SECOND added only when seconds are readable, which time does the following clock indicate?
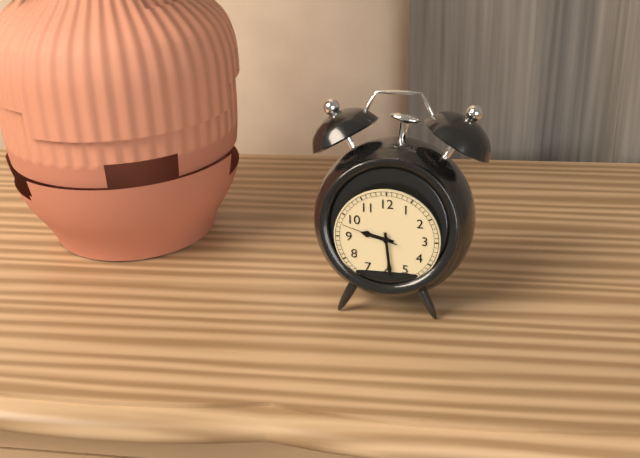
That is h=9 m=29 s=48
